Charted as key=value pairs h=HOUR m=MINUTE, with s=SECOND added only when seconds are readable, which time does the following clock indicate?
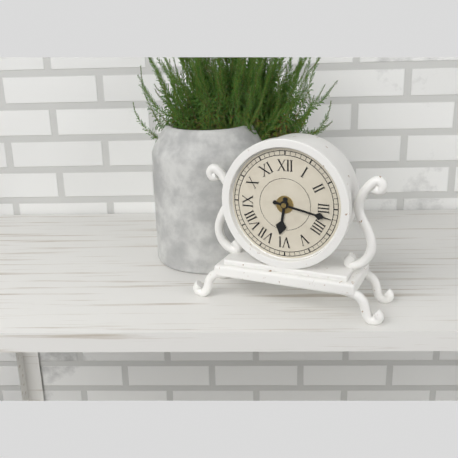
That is h=6 m=17
